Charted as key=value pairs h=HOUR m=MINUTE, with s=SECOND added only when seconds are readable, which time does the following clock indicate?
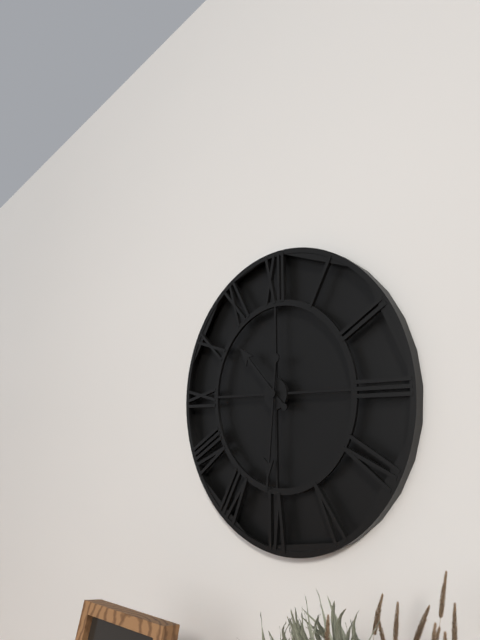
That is h=10 m=31
